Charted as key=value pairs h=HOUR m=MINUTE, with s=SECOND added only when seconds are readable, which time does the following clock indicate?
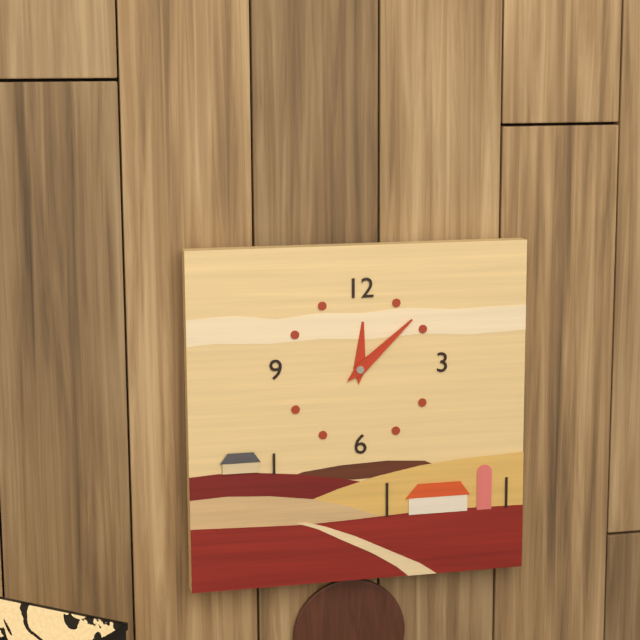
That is h=12 m=8
